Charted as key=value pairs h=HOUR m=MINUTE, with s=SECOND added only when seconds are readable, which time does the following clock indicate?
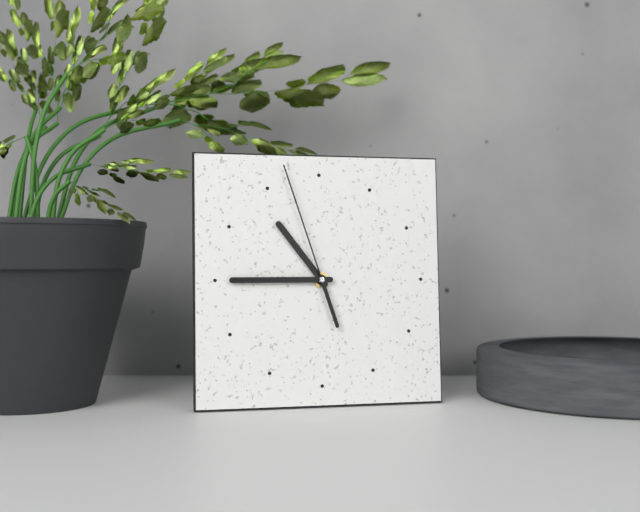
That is h=10 m=45 s=57
